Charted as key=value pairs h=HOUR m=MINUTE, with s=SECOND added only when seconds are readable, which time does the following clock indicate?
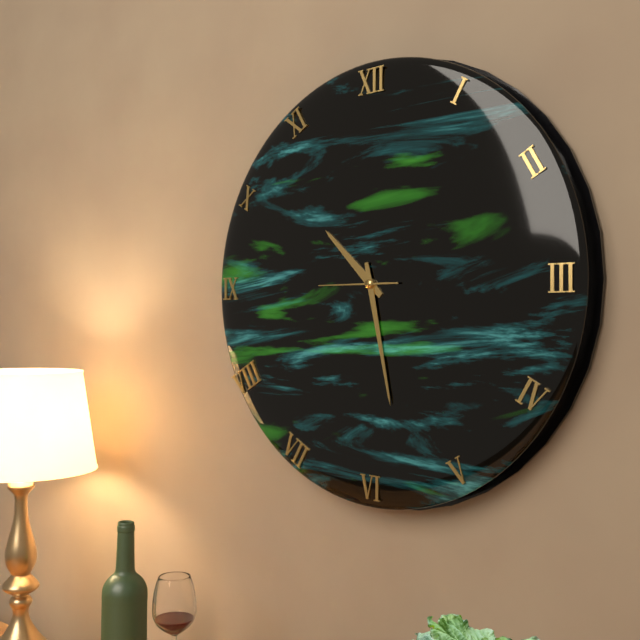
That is h=10 m=28 s=45
